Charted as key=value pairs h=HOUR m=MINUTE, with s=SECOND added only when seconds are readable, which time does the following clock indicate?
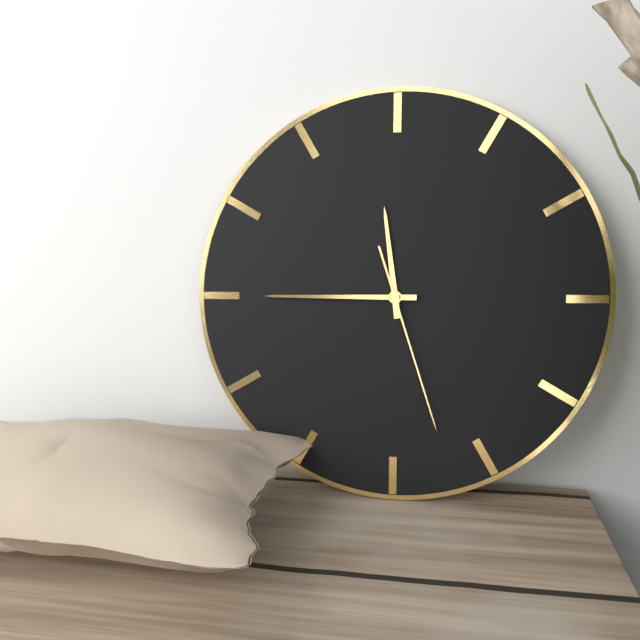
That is h=11 m=45 s=27
